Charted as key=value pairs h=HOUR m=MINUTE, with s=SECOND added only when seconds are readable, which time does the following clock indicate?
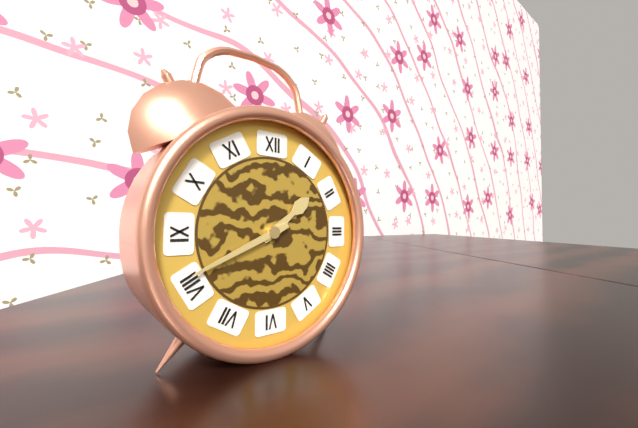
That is h=1 m=41
